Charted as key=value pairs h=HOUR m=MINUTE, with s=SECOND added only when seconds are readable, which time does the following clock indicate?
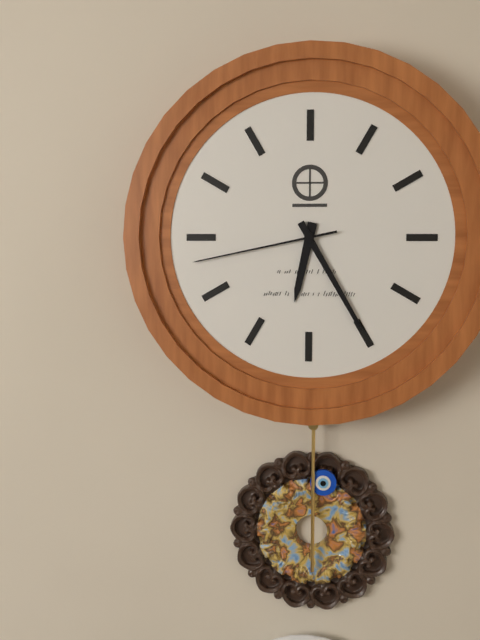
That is h=6 m=25 s=43
